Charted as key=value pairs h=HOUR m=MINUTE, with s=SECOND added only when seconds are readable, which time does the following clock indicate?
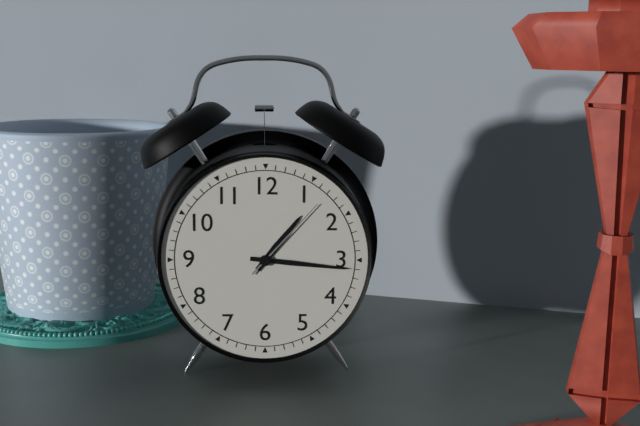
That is h=1 m=16 s=7
